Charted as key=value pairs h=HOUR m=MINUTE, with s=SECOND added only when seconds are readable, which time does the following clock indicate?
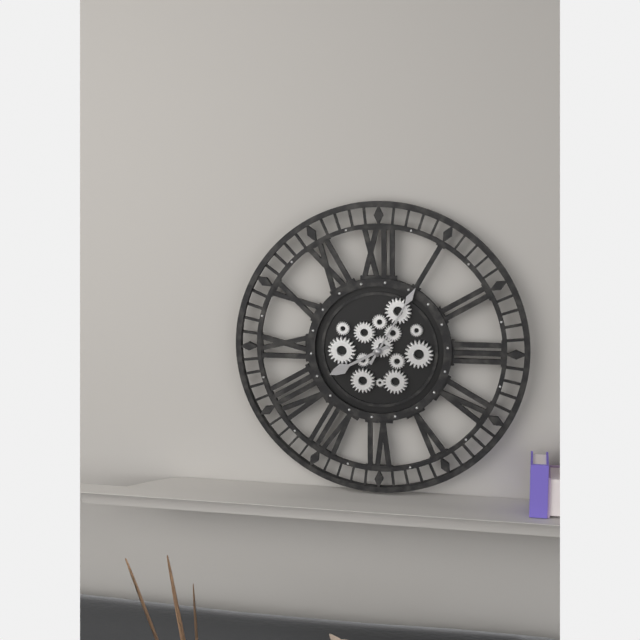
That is h=8 m=5
